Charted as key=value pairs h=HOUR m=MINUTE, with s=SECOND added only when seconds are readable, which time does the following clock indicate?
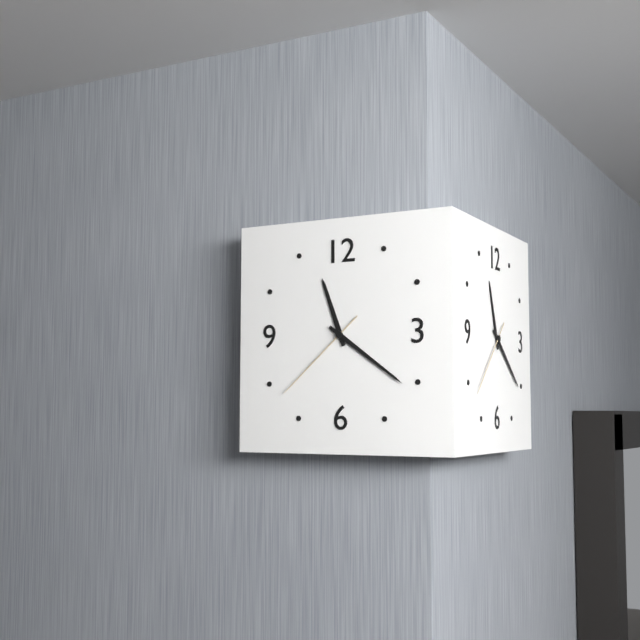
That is h=11 m=21 s=38
